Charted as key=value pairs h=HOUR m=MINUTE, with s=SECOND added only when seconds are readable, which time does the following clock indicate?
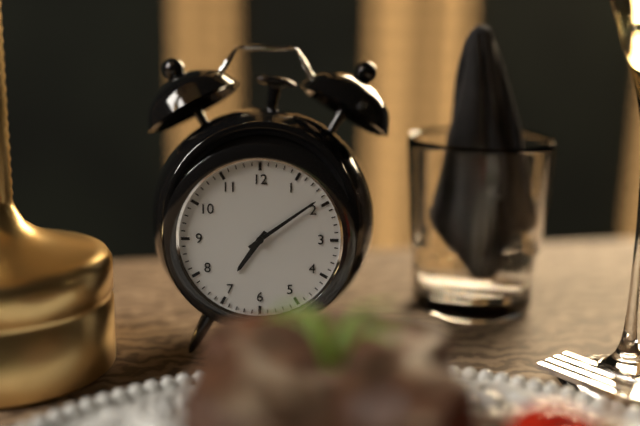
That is h=7 m=9
